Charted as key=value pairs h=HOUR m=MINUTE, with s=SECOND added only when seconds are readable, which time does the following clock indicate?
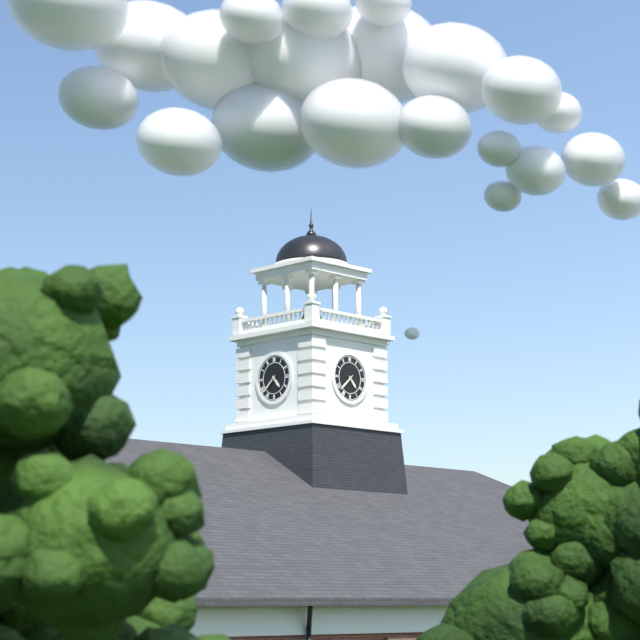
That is h=4 m=38
